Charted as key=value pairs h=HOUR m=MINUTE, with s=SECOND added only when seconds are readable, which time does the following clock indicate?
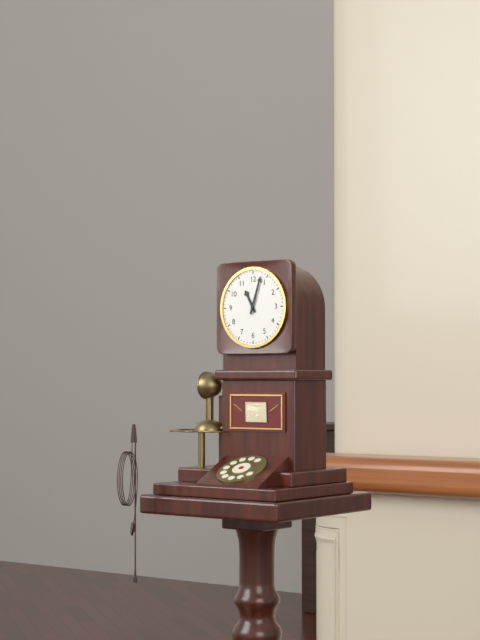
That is h=11 m=3
